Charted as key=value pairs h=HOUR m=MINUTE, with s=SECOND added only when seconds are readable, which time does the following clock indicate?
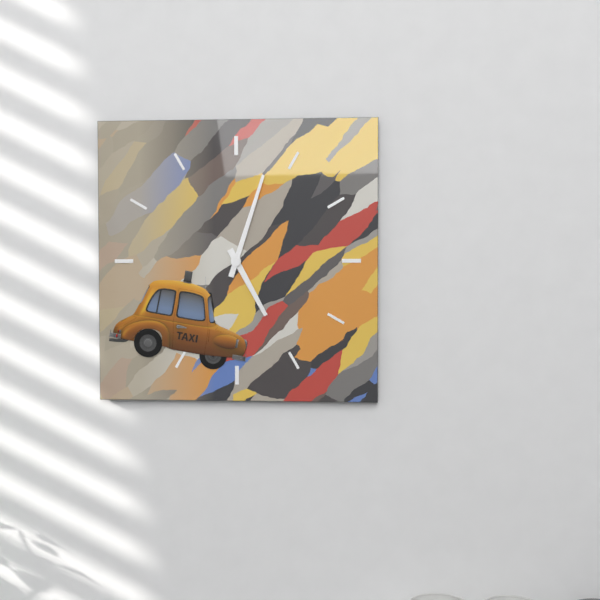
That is h=5 m=3
